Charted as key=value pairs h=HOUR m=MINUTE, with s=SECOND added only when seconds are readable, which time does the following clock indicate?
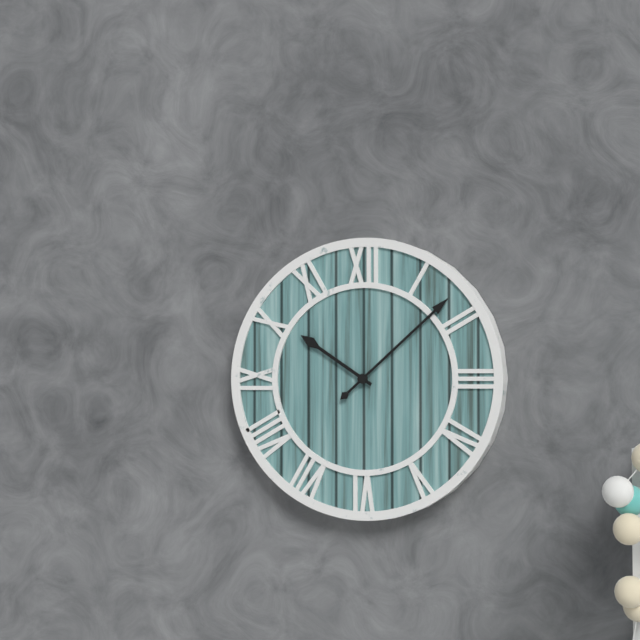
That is h=10 m=8
